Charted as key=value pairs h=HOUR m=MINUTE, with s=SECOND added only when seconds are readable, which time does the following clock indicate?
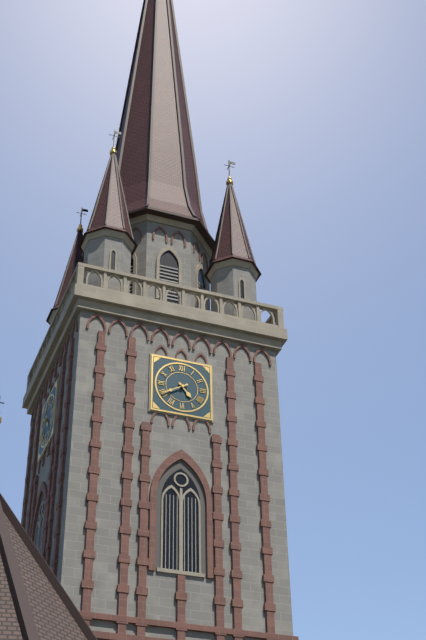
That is h=4 m=40
